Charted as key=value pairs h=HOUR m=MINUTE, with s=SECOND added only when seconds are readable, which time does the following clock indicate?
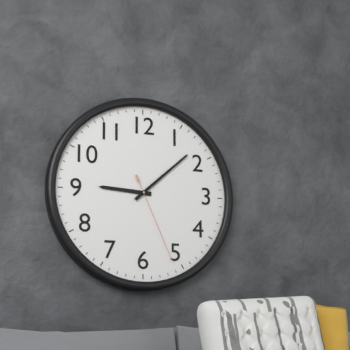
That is h=9 m=8 s=26
